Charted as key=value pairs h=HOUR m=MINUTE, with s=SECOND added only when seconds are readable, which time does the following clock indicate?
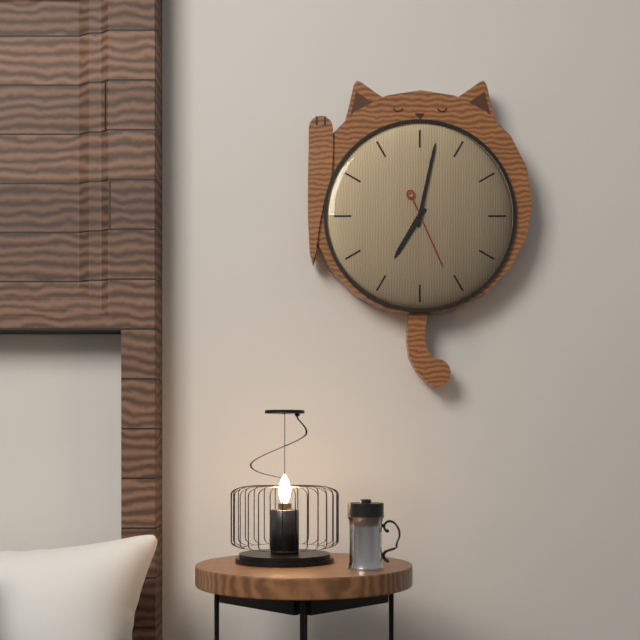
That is h=7 m=2 s=26
